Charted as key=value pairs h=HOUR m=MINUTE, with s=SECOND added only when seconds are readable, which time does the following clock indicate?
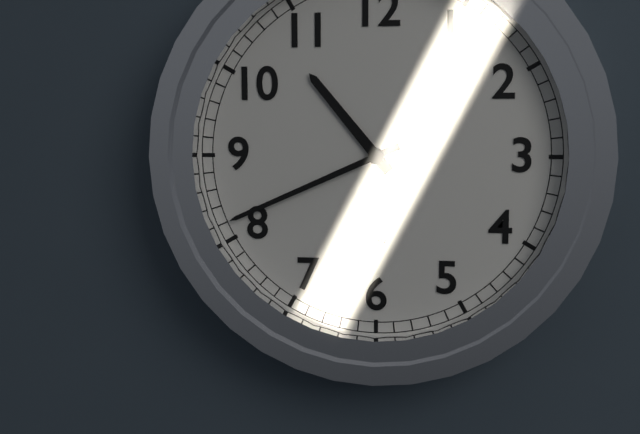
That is h=10 m=41
